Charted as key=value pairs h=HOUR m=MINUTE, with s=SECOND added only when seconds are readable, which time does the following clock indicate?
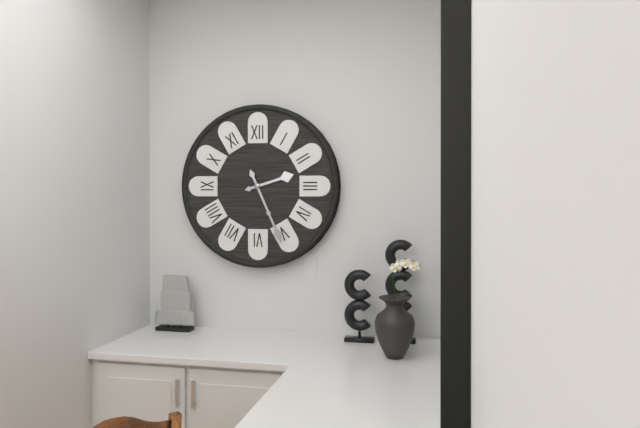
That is h=2 m=26
